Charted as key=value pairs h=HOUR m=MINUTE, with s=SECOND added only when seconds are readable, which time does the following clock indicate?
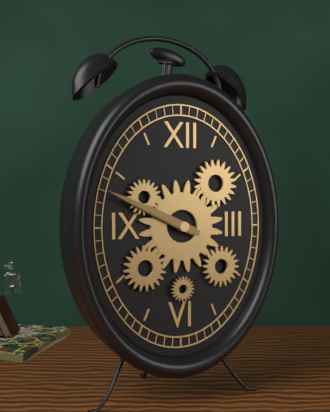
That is h=9 m=49
